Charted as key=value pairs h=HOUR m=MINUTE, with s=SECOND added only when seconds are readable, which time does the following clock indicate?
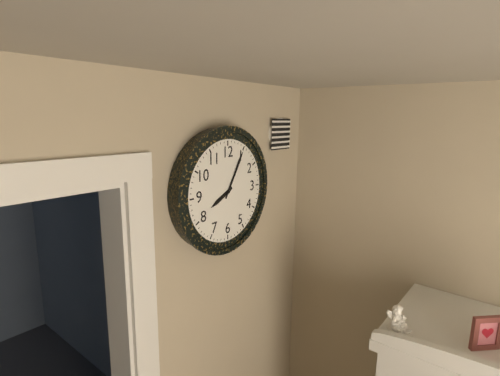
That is h=8 m=5
